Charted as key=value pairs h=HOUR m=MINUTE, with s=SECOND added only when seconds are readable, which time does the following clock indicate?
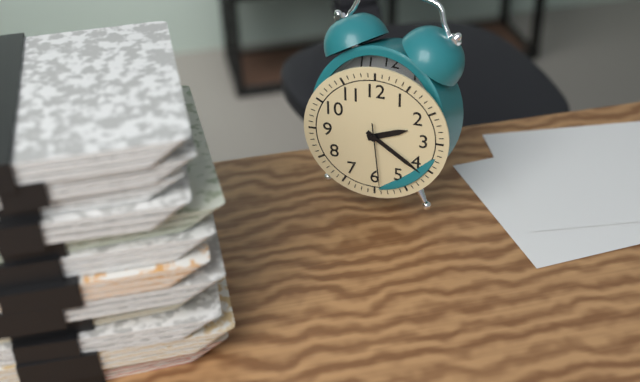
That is h=2 m=21 s=29
